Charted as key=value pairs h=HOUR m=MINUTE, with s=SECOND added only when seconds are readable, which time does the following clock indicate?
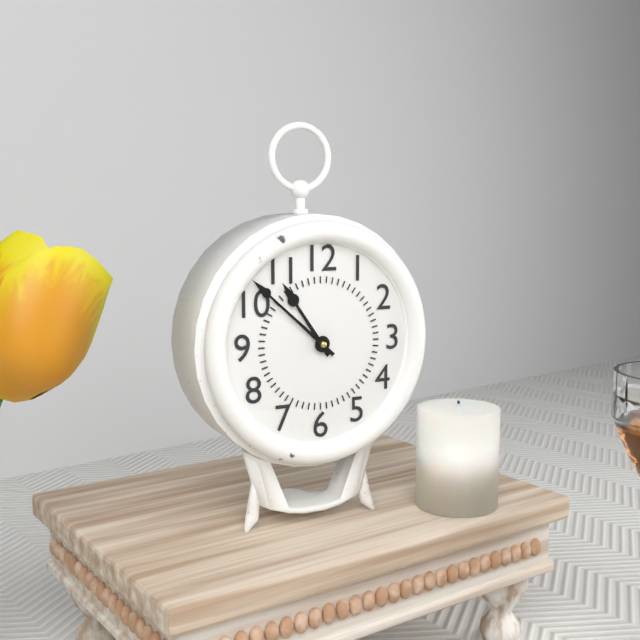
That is h=10 m=52
